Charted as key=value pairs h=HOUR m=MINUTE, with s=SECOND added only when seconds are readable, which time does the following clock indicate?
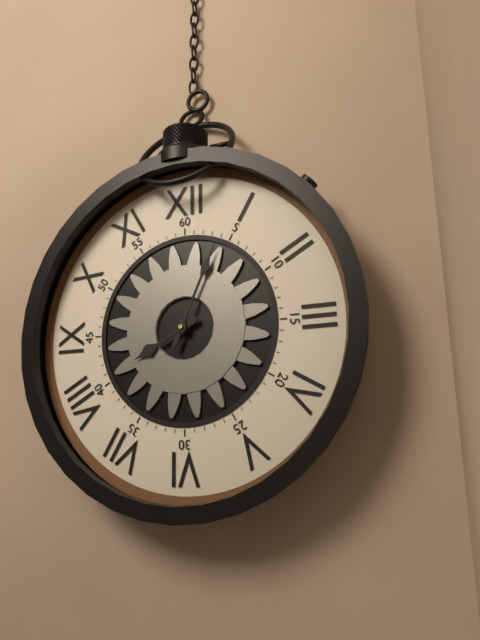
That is h=8 m=4
